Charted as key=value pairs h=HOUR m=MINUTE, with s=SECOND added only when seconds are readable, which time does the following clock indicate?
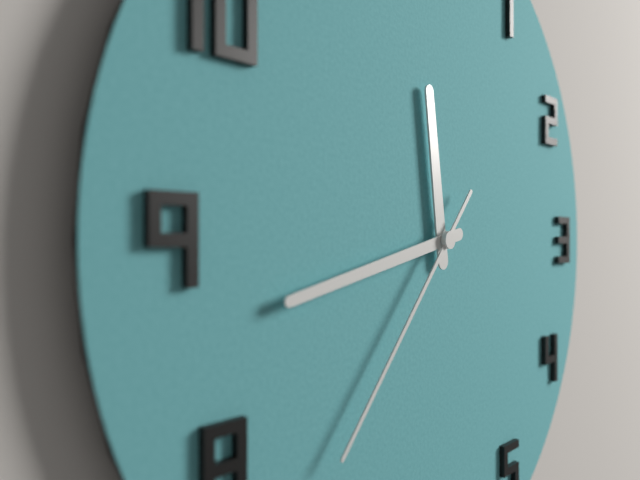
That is h=11 m=43 s=37
